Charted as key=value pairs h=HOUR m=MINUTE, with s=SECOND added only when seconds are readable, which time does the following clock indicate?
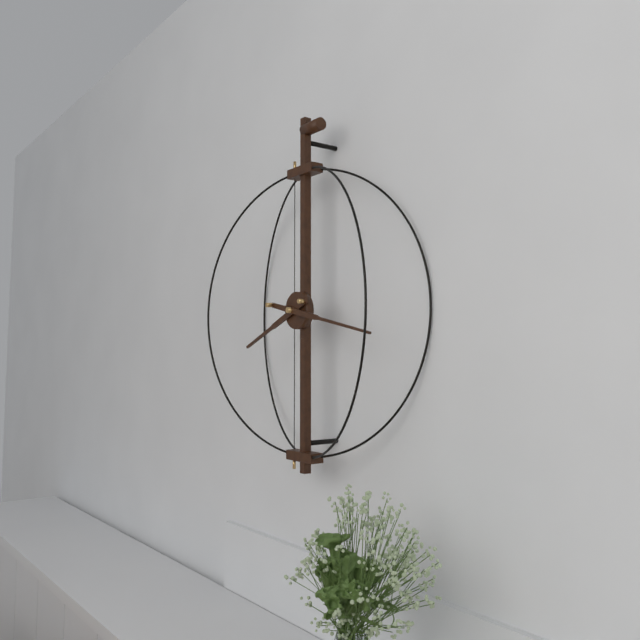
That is h=8 m=17
